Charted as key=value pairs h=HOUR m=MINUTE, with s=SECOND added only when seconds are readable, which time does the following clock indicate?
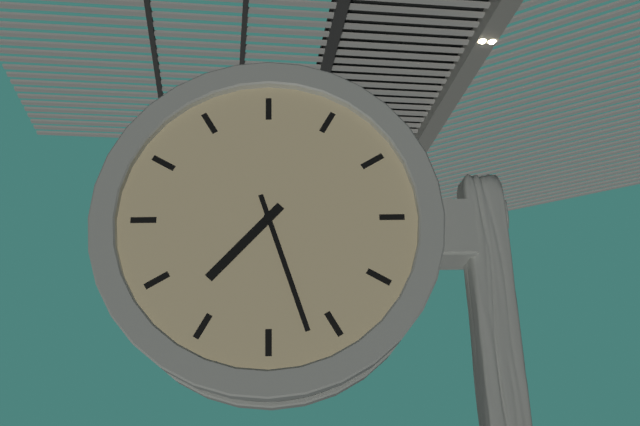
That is h=7 m=27
